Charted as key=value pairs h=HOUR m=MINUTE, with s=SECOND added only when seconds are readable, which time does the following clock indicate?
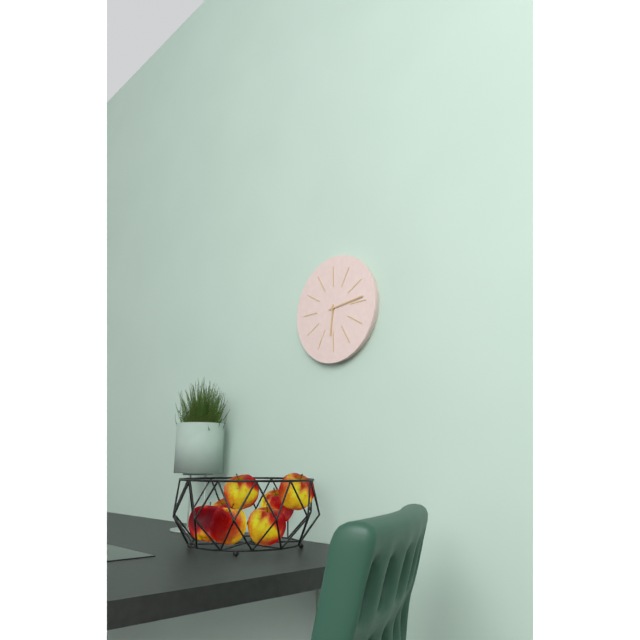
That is h=6 m=14
